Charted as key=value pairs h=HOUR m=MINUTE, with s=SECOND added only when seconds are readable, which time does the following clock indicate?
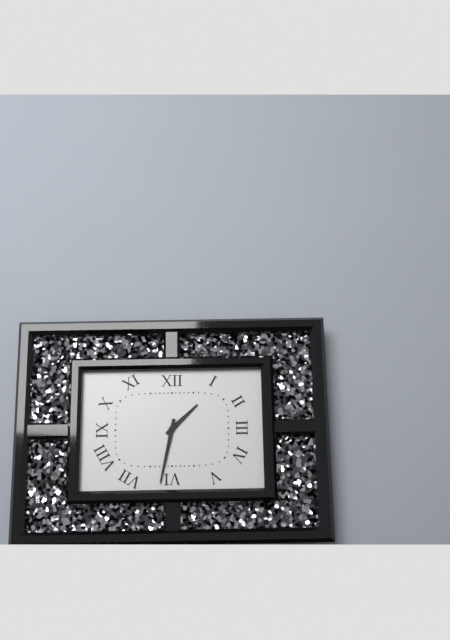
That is h=1 m=32
